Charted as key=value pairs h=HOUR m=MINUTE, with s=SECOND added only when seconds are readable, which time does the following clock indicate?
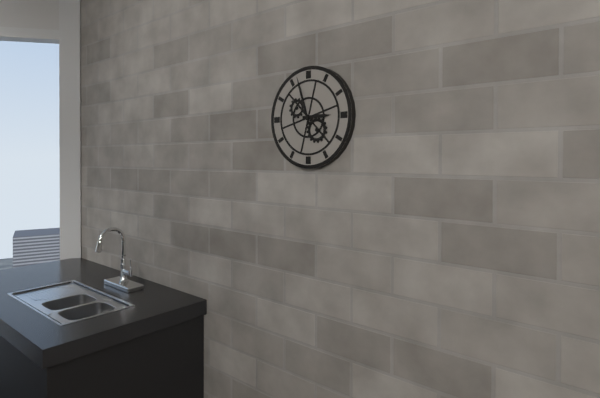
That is h=2 m=57
